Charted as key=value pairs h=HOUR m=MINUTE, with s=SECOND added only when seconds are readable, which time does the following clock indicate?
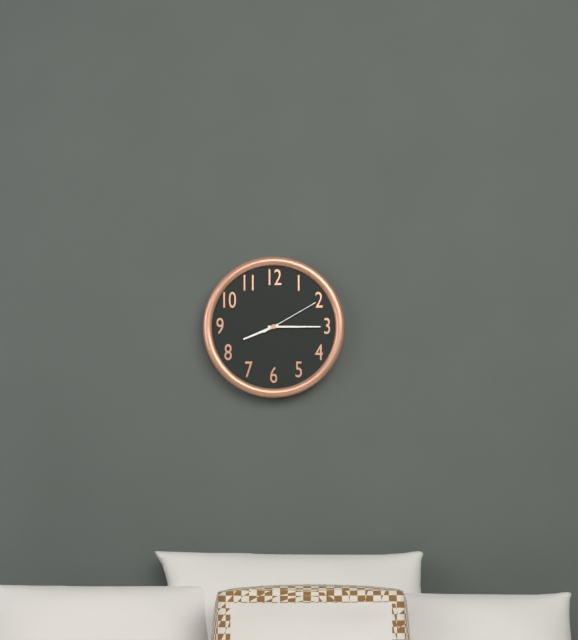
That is h=8 m=15 s=10
